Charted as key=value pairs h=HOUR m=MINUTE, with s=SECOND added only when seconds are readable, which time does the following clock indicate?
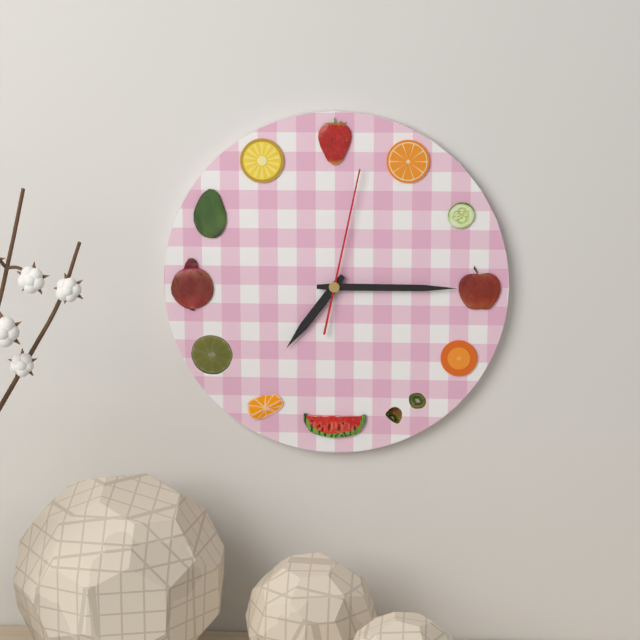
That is h=7 m=15 s=2
